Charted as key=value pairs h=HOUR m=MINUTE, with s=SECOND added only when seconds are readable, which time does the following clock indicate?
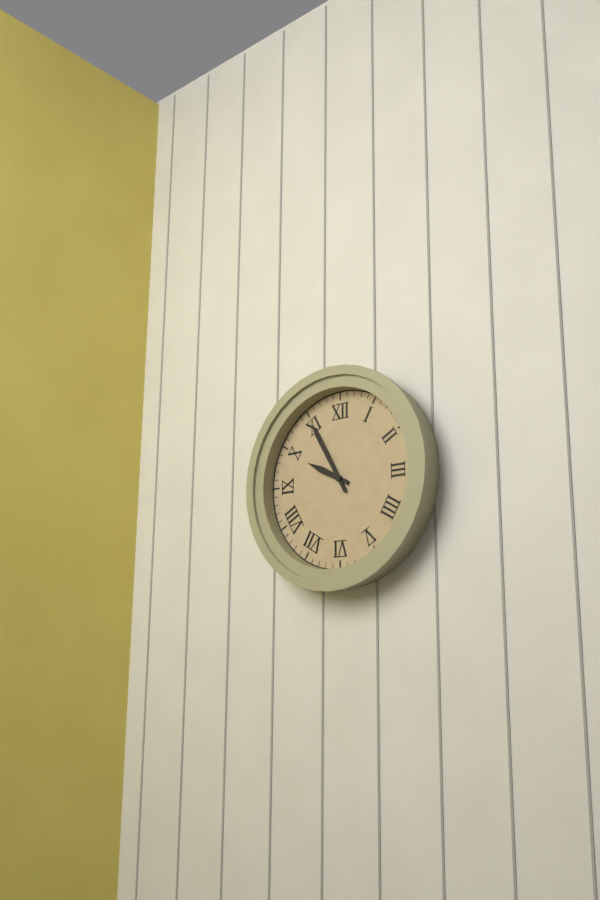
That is h=9 m=55
